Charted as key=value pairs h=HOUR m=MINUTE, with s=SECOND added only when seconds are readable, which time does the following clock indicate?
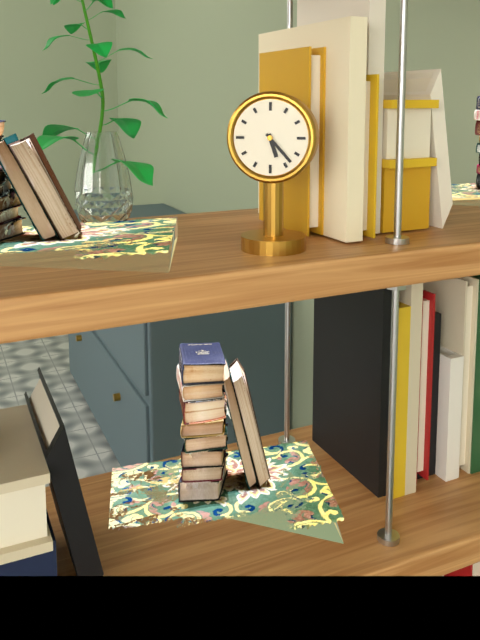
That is h=5 m=23
